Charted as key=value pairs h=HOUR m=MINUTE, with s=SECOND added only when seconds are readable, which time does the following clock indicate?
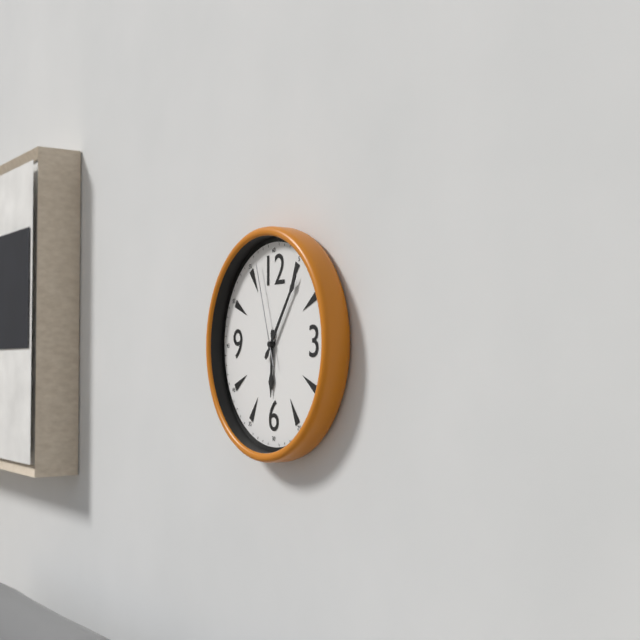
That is h=6 m=6 s=57
